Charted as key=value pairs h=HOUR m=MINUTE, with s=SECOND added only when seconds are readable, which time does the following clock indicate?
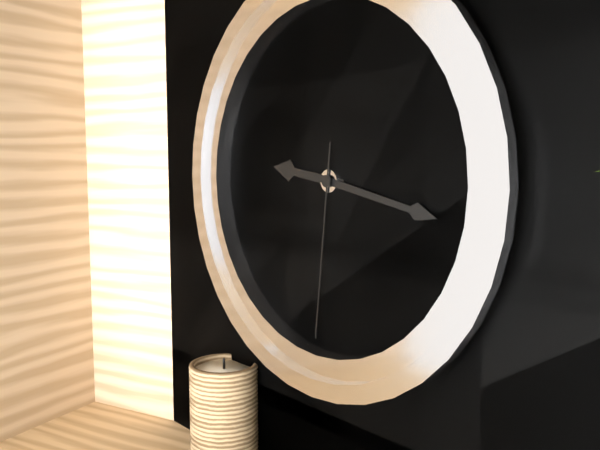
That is h=9 m=17 s=31
